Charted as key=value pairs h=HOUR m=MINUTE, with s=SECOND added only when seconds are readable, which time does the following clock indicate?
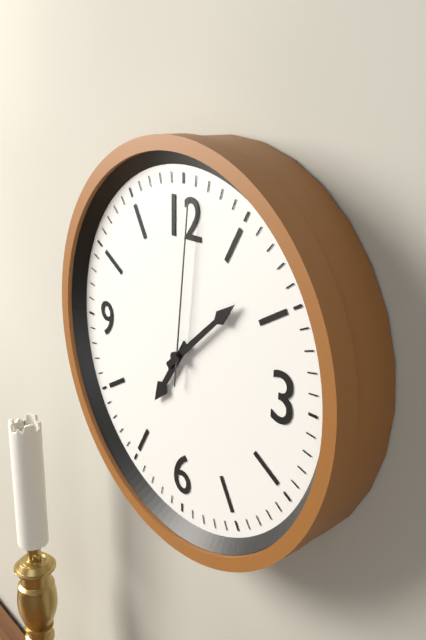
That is h=7 m=8 s=1
